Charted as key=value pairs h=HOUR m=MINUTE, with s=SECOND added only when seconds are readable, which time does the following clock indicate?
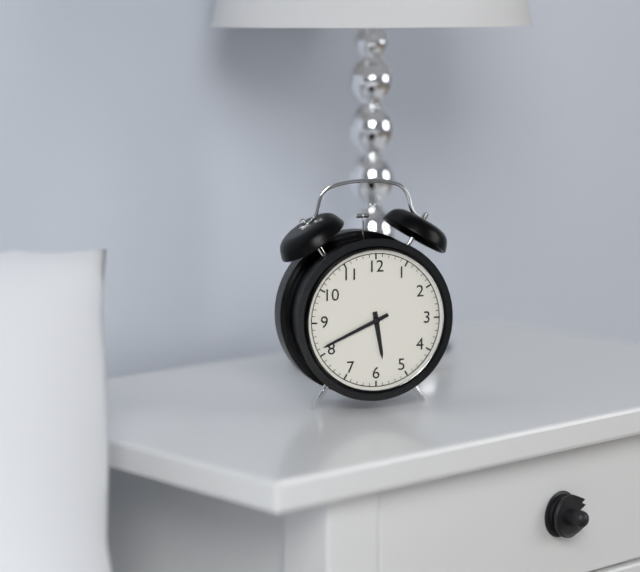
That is h=5 m=41
